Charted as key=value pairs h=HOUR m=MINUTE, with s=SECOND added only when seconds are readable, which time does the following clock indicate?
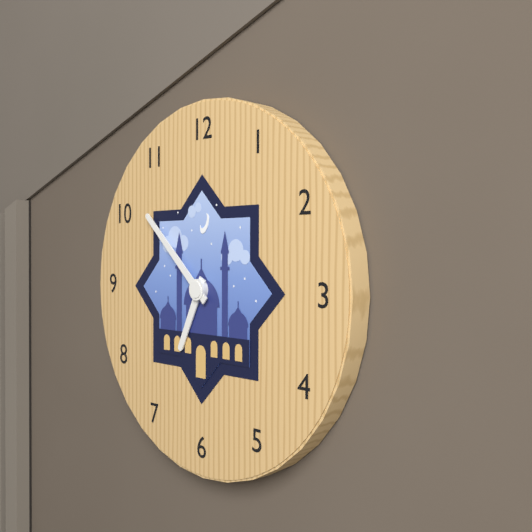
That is h=6 m=52
